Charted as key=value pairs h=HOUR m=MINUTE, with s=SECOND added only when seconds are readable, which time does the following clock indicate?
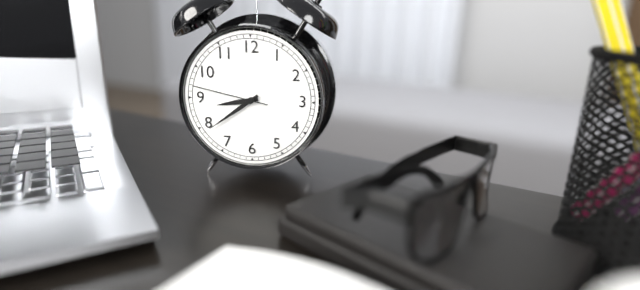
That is h=8 m=39 s=47
